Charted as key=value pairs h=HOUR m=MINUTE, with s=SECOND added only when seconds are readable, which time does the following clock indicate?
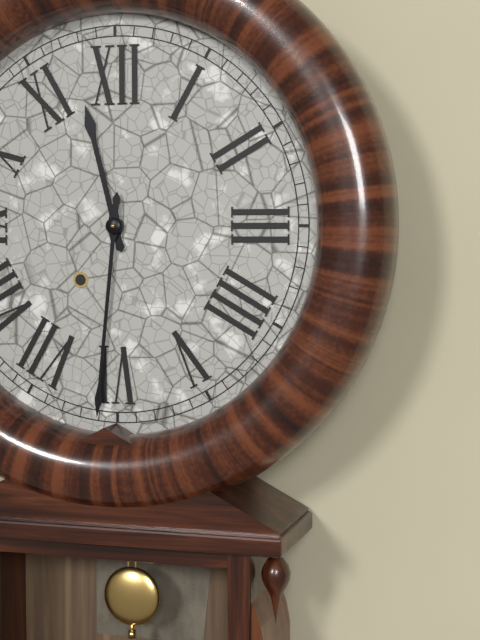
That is h=11 m=31
